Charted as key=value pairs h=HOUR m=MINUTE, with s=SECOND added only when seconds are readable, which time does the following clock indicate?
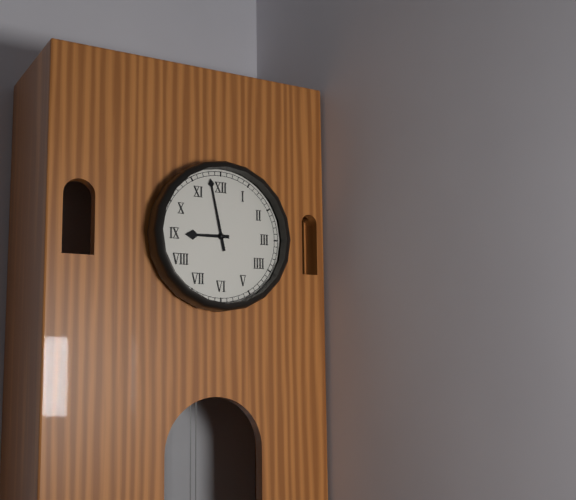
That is h=8 m=58
